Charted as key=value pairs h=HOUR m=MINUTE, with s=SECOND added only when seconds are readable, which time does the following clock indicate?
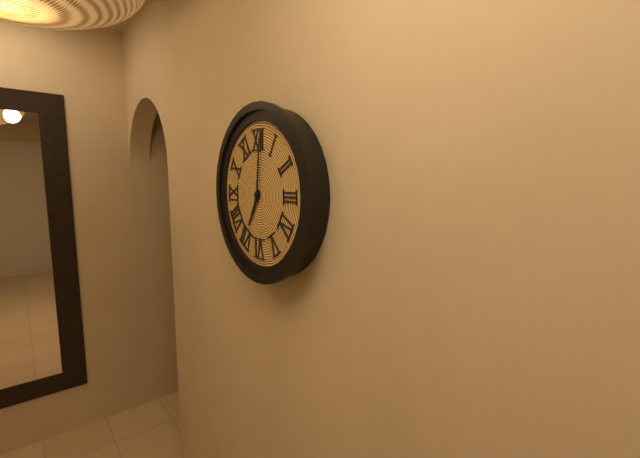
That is h=7 m=1
